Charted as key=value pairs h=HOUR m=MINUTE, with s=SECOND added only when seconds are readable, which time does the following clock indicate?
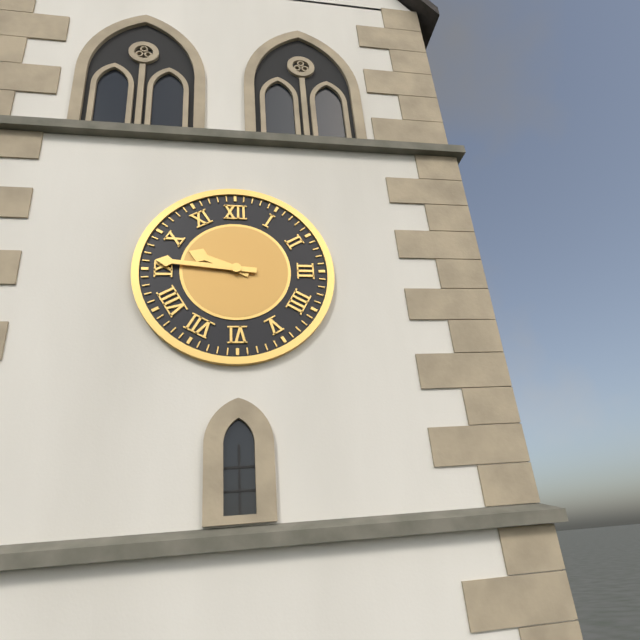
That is h=9 m=46
